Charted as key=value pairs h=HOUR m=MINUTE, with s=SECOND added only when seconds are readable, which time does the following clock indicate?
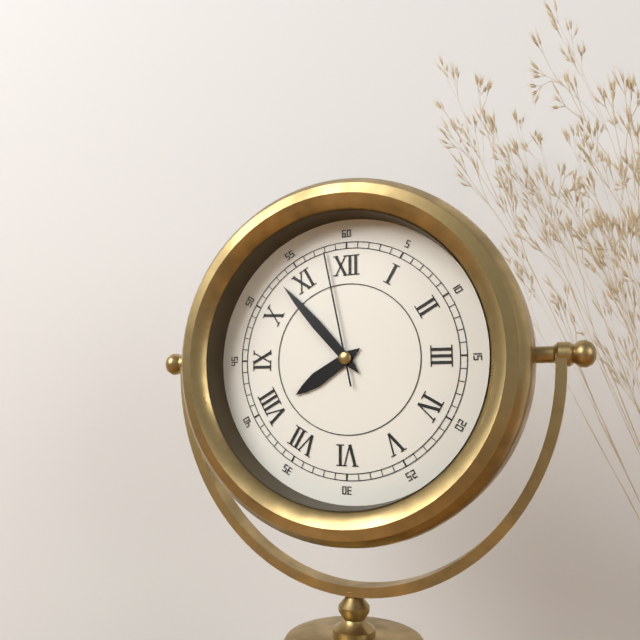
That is h=7 m=53 s=58
